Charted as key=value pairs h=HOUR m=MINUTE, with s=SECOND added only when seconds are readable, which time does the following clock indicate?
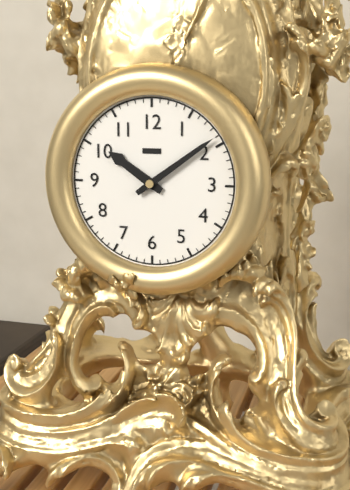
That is h=10 m=9
